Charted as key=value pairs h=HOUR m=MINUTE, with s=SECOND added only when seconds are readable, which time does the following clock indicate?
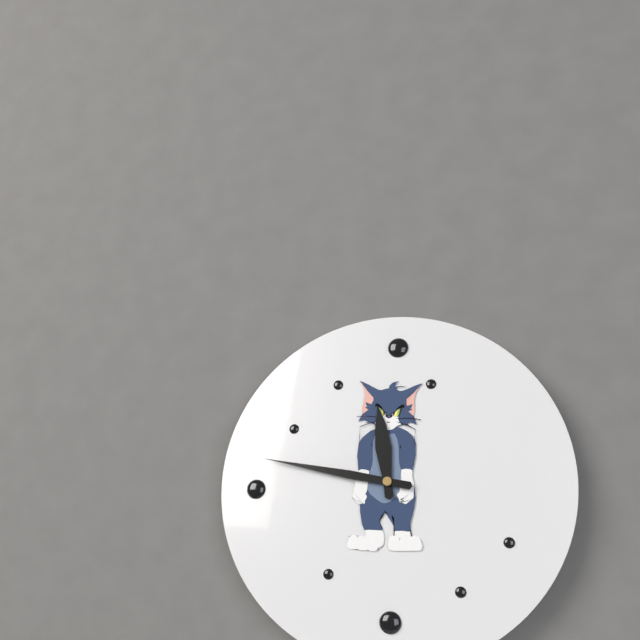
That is h=11 m=47
